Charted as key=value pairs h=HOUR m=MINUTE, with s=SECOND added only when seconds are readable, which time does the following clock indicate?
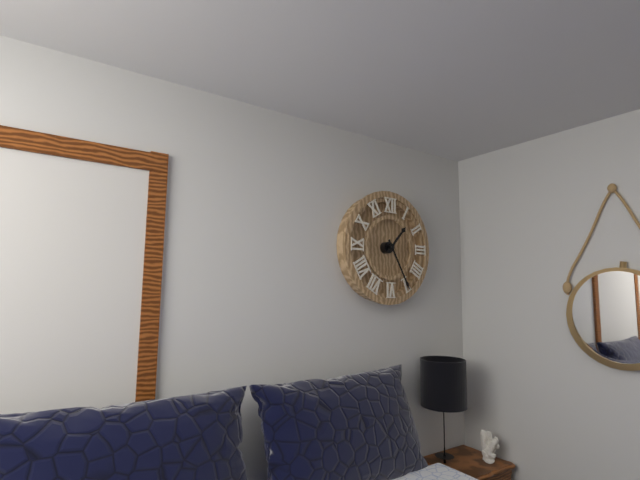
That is h=1 m=25
